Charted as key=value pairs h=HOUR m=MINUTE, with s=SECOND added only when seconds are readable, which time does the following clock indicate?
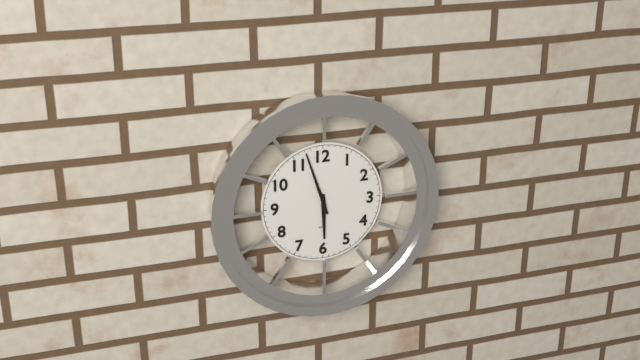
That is h=5 m=57
